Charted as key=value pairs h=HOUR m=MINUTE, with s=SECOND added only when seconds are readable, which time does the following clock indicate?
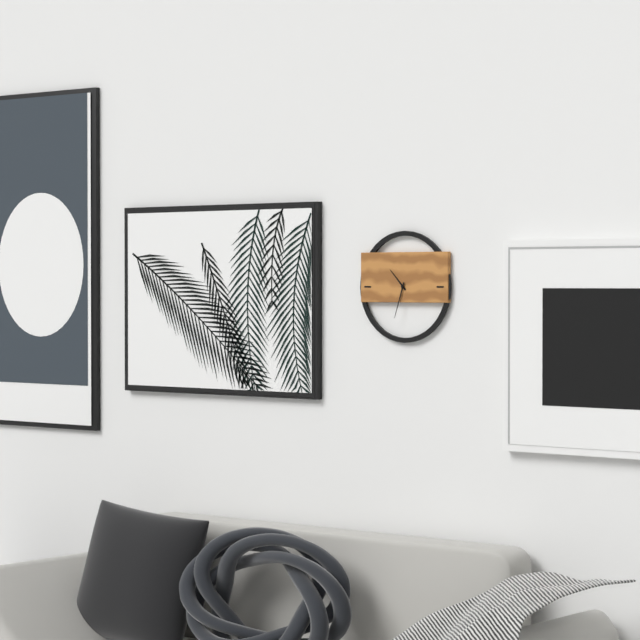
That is h=10 m=33
